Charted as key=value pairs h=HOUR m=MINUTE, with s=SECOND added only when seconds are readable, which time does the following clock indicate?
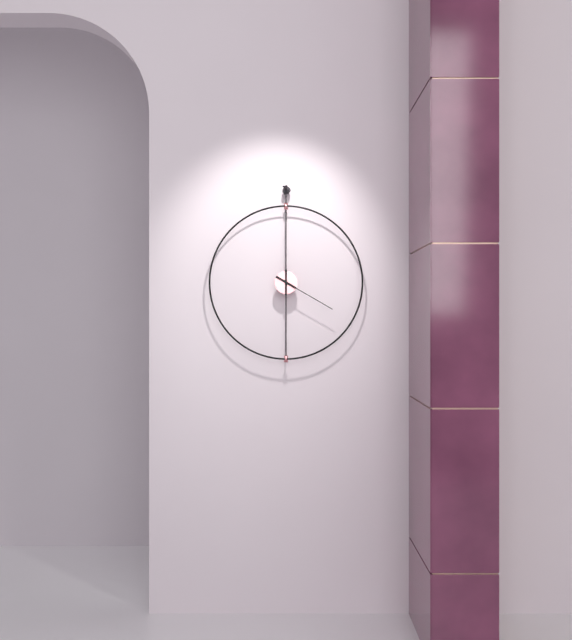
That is h=4 m=0
